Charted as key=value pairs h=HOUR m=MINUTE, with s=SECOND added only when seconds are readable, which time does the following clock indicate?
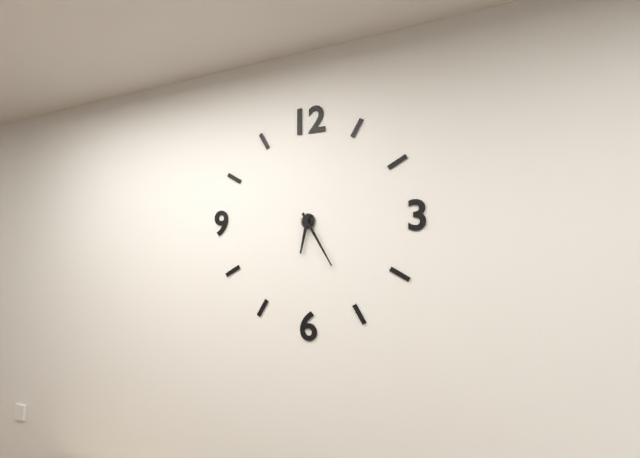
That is h=6 m=25
